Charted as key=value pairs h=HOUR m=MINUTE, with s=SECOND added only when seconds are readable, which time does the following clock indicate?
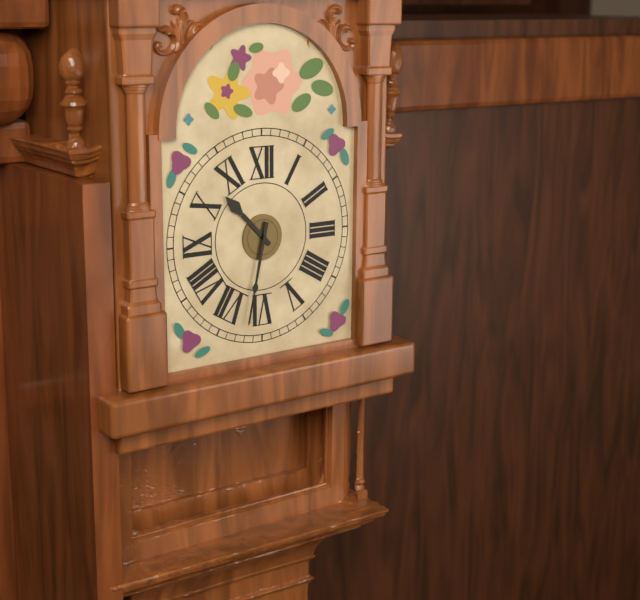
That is h=10 m=32
